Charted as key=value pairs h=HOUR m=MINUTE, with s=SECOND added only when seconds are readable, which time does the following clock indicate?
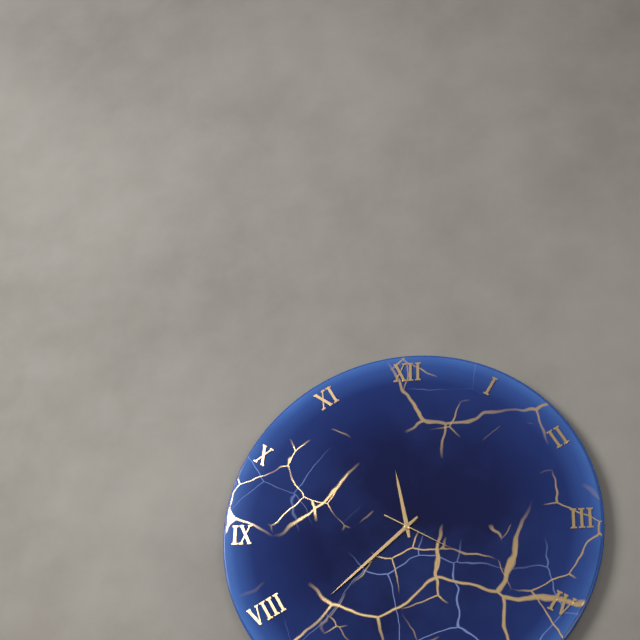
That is h=11 m=38 s=20
